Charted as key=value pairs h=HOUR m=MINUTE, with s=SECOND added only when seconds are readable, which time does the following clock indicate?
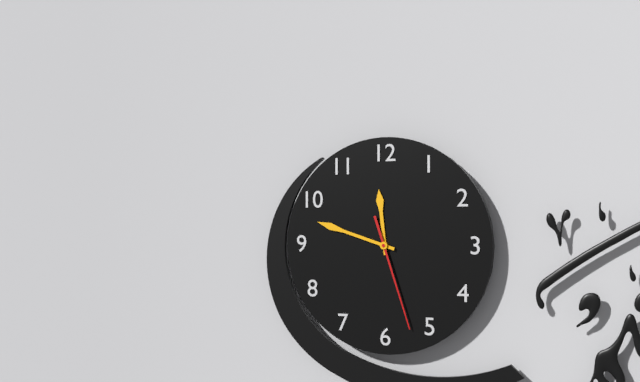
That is h=11 m=48 s=27
